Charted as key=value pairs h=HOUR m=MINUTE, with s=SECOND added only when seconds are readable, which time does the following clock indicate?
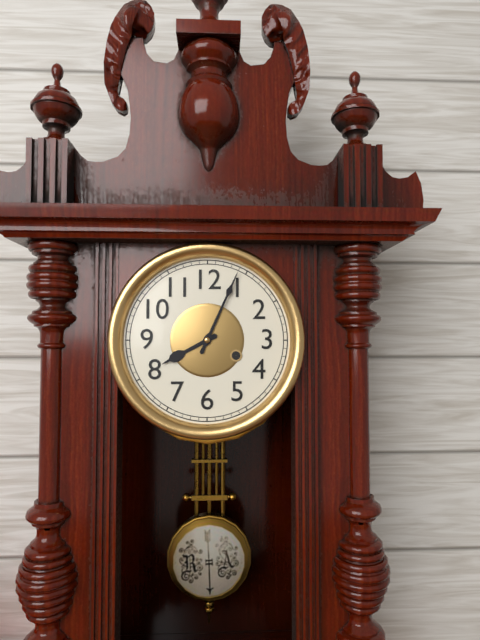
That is h=8 m=4
